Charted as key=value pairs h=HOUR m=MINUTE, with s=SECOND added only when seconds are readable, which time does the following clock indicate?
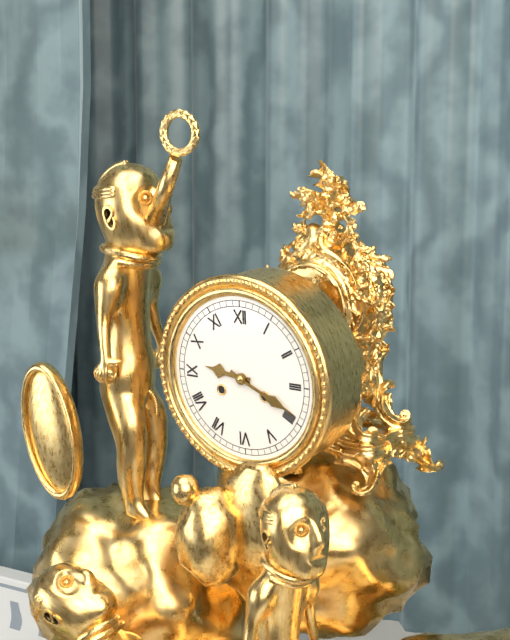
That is h=9 m=19
